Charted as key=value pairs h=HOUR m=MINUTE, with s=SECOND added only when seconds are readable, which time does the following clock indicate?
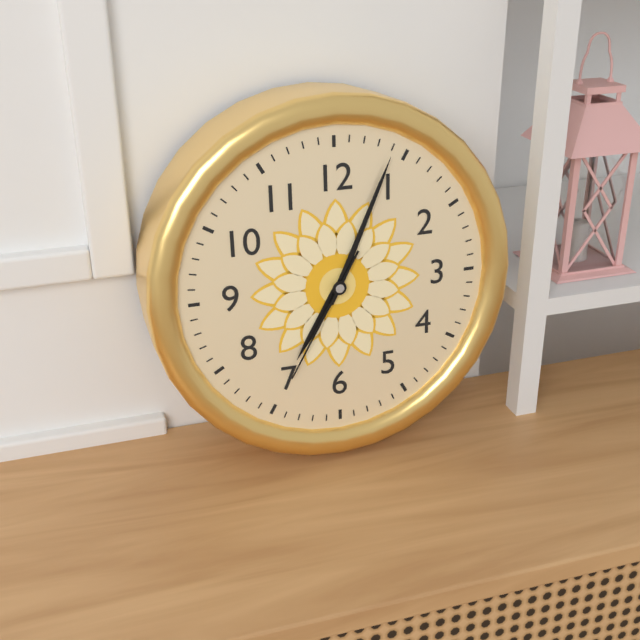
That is h=7 m=4 s=35
